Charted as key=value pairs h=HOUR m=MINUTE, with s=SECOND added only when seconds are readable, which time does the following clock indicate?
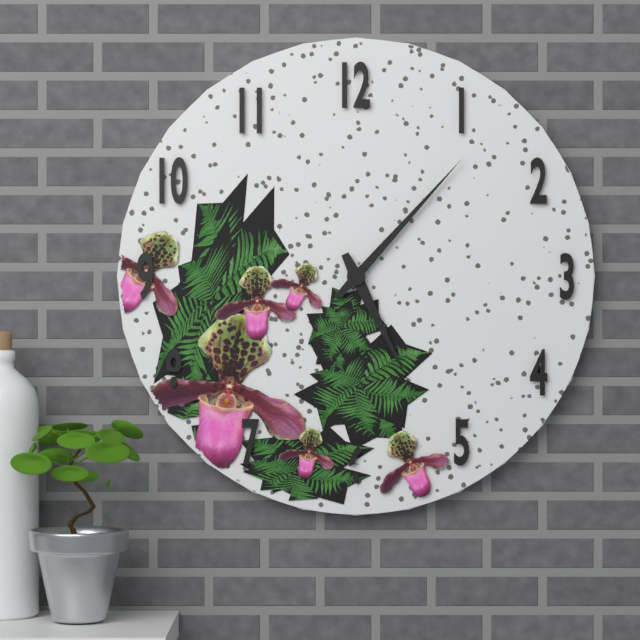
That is h=5 m=7
